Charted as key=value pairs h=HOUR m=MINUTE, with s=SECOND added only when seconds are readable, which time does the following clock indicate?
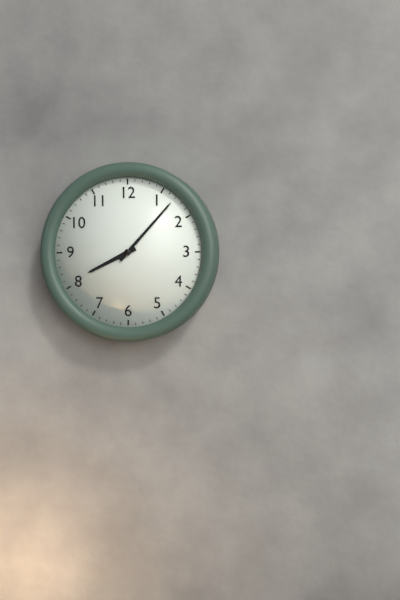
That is h=8 m=7
